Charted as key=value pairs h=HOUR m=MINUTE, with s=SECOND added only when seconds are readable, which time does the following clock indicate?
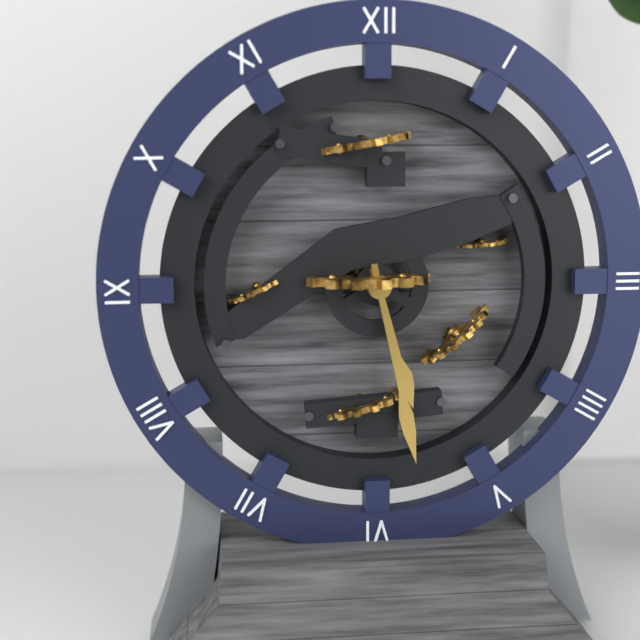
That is h=5 m=28
